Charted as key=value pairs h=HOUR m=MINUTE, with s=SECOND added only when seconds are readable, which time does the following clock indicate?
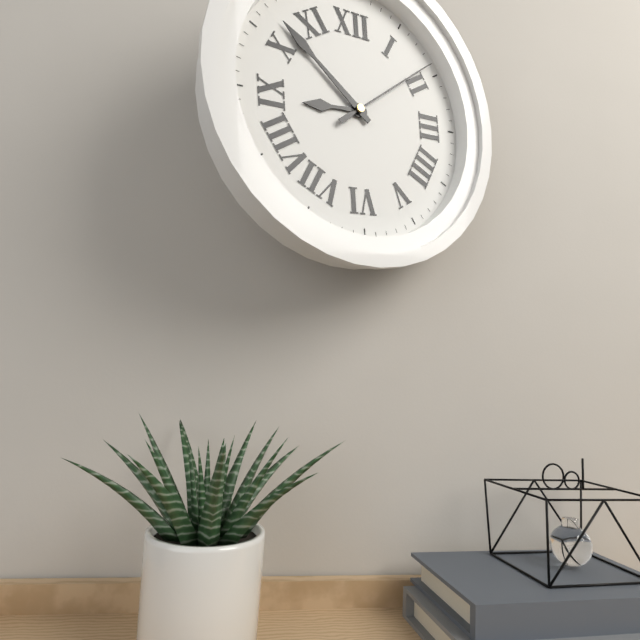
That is h=8 m=52 s=9
